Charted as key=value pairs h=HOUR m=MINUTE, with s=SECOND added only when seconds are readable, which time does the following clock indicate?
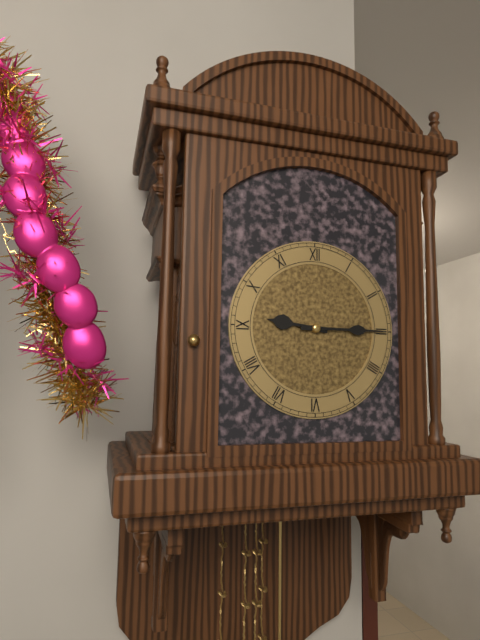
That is h=9 m=15
